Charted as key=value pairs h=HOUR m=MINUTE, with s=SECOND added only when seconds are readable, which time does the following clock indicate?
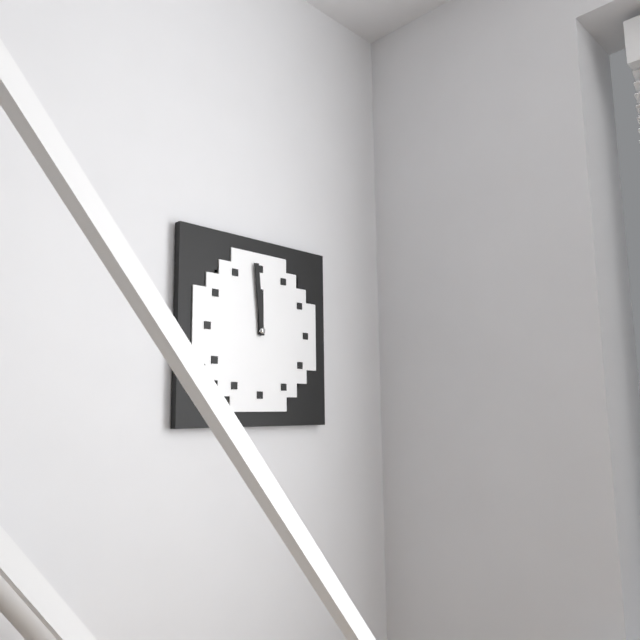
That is h=11 m=59
